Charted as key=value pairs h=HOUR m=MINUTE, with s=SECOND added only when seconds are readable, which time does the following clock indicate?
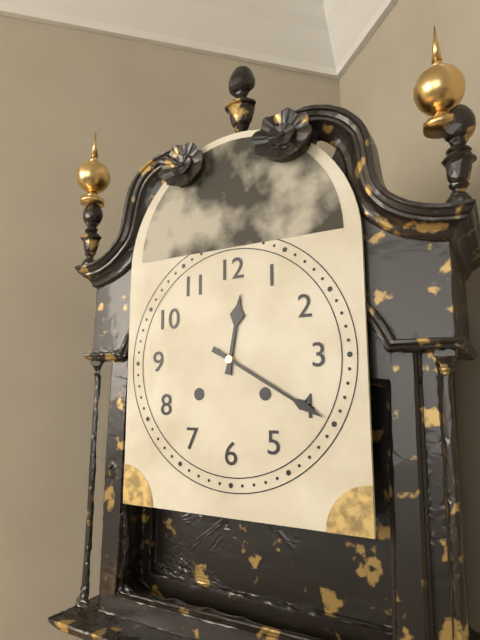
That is h=12 m=20
